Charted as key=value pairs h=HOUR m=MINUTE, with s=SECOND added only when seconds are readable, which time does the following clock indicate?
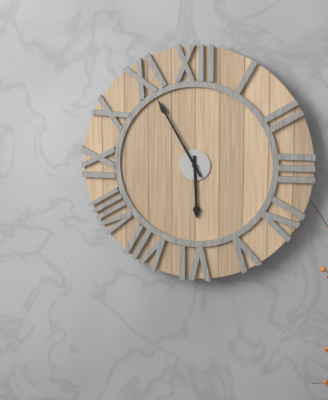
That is h=5 m=55
